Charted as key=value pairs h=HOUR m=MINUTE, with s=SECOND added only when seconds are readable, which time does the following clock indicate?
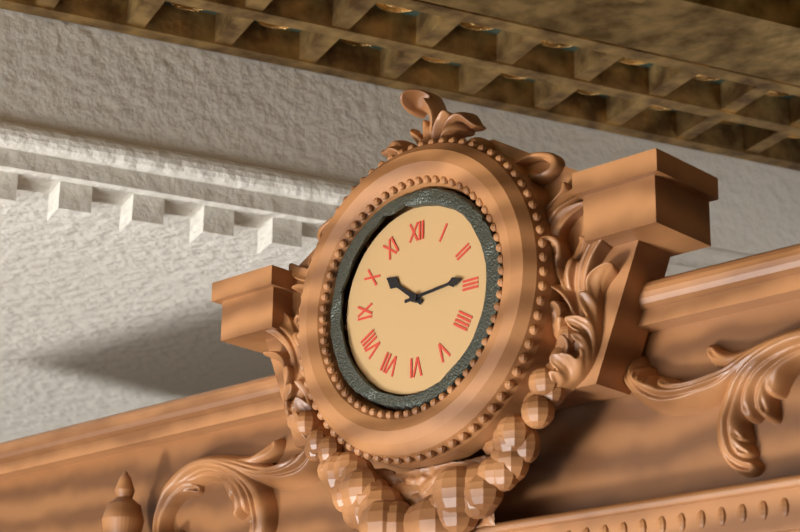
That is h=10 m=14
